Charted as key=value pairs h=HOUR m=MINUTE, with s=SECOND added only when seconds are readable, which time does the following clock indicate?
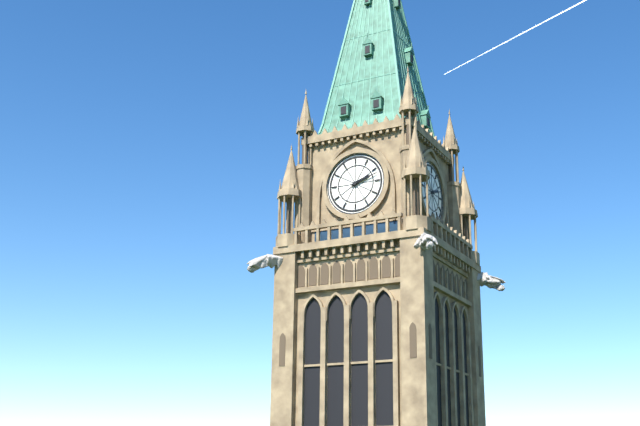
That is h=2 m=12
